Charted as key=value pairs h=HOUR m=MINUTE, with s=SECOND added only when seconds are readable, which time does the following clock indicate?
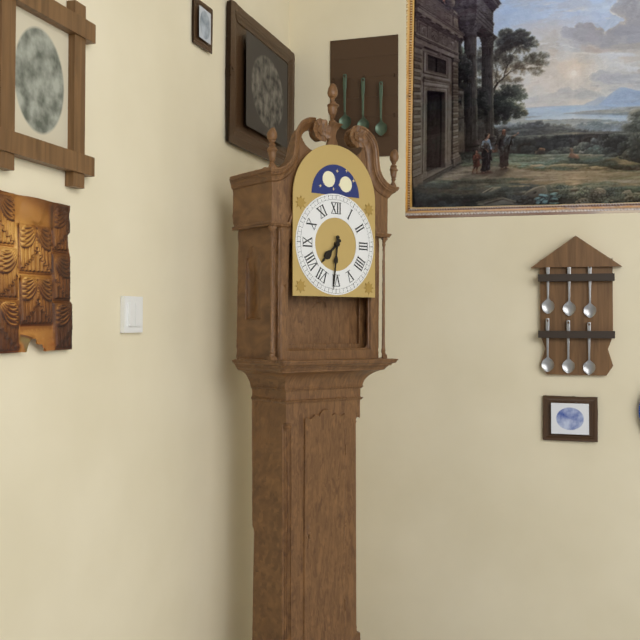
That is h=7 m=31
